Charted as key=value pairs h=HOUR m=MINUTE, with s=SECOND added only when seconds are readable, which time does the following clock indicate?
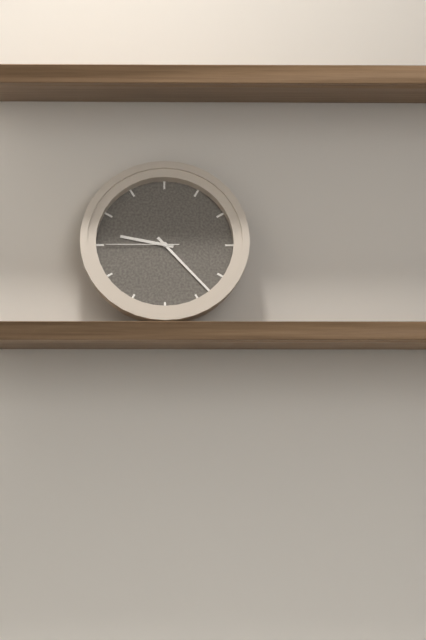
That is h=9 m=23 s=45
